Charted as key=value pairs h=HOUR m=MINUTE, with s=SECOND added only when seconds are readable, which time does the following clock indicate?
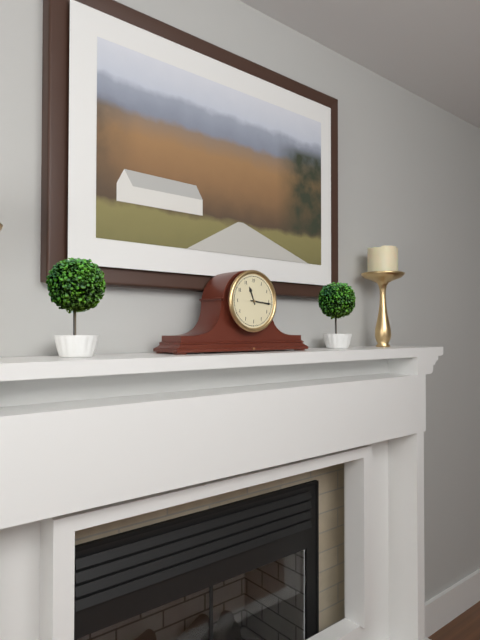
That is h=11 m=16
